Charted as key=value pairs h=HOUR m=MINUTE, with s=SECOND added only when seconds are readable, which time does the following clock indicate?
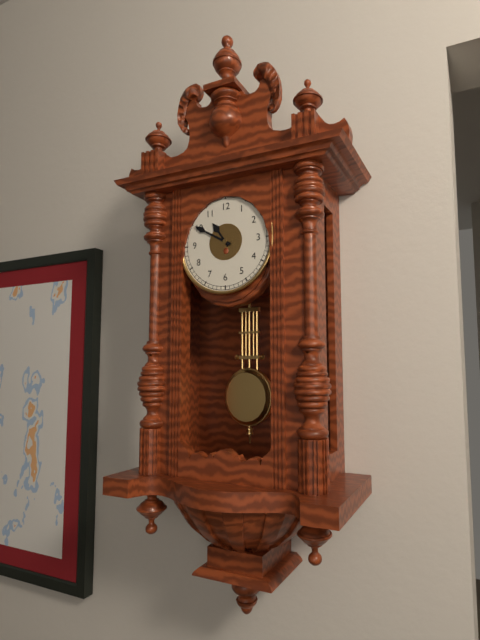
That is h=10 m=50
